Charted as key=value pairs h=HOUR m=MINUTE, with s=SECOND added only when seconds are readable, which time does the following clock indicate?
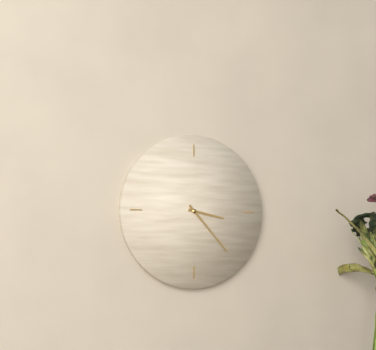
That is h=3 m=23
